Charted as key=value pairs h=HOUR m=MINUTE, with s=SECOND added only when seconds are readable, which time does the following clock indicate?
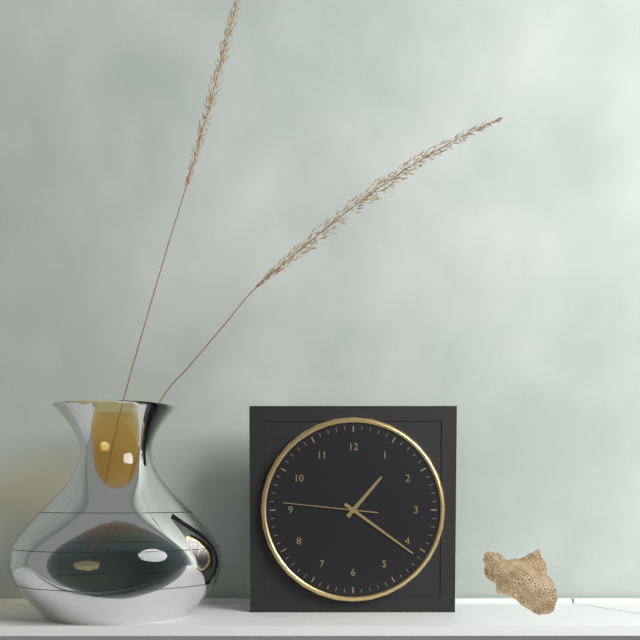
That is h=1 m=21 s=46
